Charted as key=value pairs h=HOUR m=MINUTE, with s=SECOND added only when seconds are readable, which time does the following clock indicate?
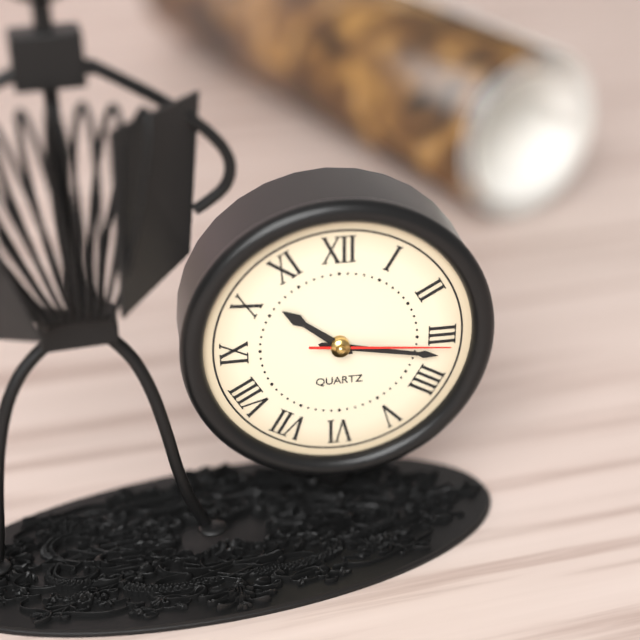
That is h=10 m=17 s=16
